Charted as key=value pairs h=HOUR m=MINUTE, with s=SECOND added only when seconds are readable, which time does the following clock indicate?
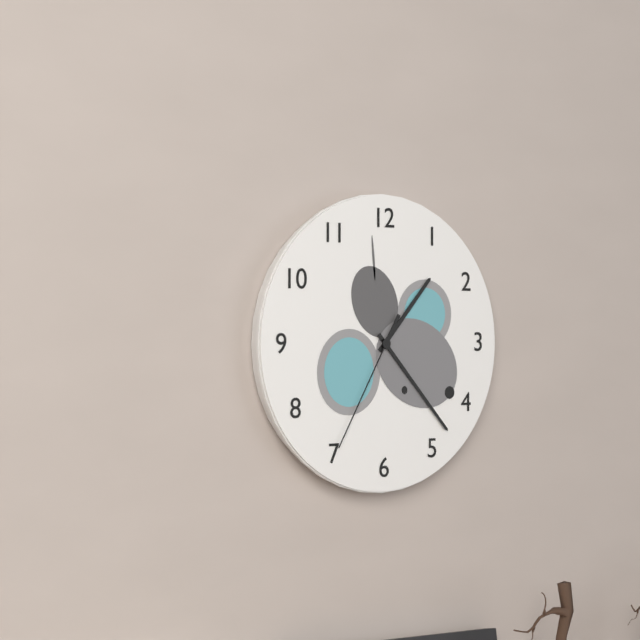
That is h=1 m=23 s=35
